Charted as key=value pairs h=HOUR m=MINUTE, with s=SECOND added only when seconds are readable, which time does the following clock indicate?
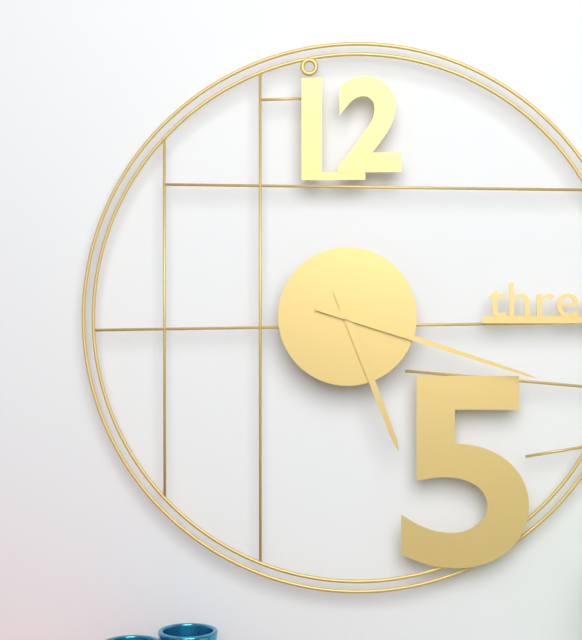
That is h=5 m=18
